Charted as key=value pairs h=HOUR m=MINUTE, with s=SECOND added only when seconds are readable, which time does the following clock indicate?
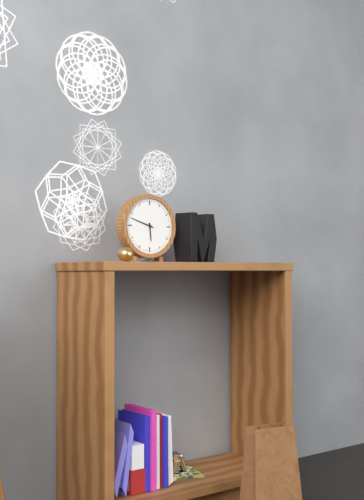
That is h=5 m=48
